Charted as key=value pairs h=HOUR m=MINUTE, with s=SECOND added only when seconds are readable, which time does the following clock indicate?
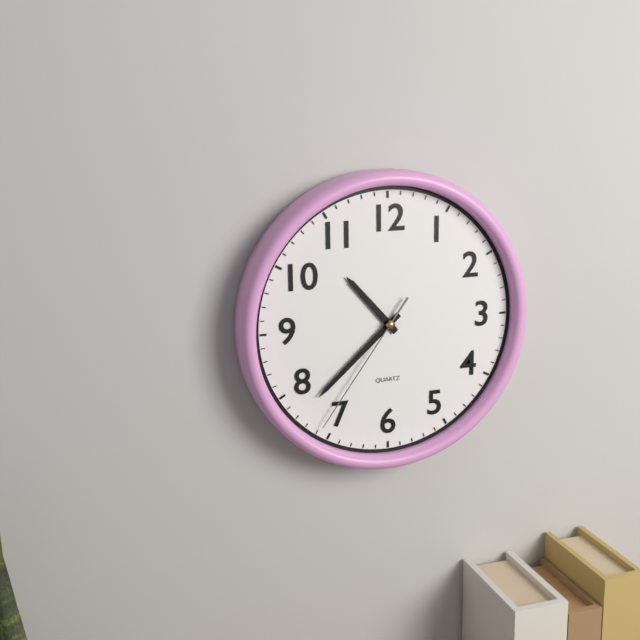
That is h=10 m=38 s=36
